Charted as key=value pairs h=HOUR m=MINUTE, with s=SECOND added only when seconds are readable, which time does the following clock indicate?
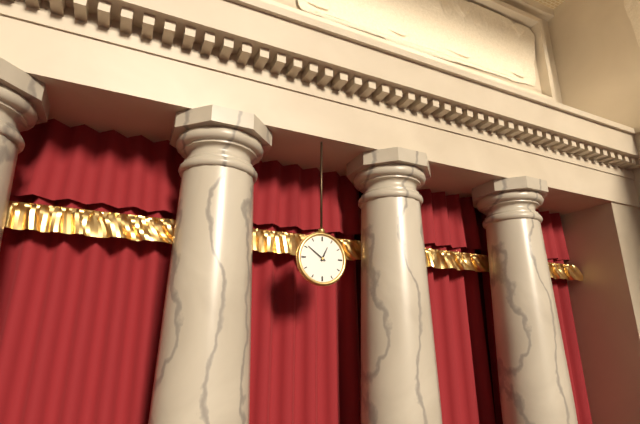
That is h=12 m=51
